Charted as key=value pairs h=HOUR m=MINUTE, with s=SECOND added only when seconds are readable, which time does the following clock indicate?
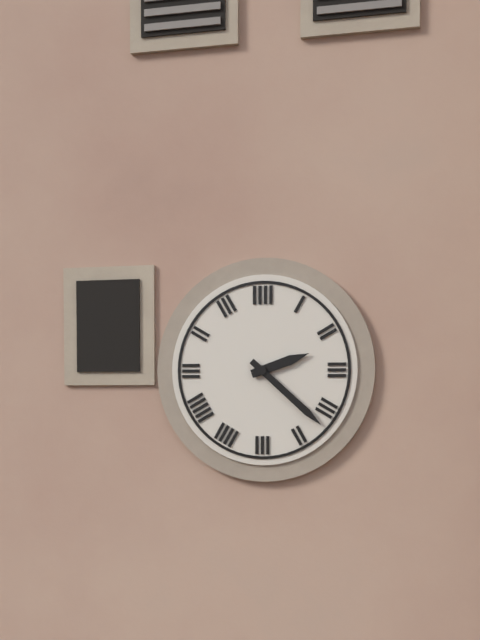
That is h=2 m=22
